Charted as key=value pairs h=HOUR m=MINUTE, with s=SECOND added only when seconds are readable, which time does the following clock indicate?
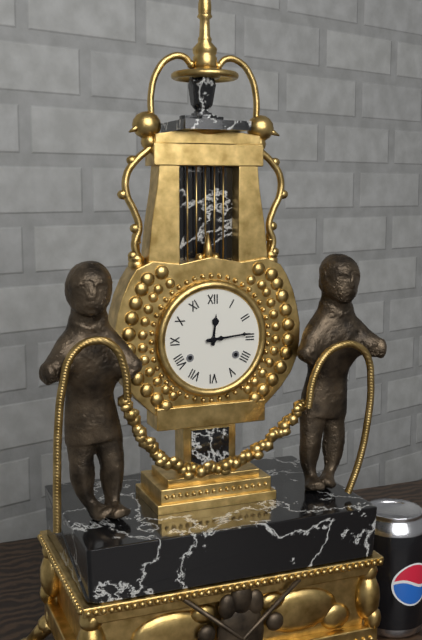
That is h=12 m=14
